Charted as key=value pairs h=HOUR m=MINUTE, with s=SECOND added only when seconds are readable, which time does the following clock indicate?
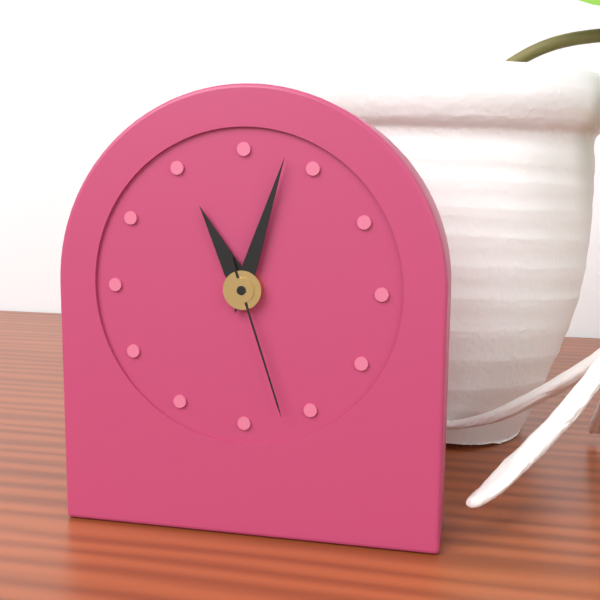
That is h=11 m=3 s=27
